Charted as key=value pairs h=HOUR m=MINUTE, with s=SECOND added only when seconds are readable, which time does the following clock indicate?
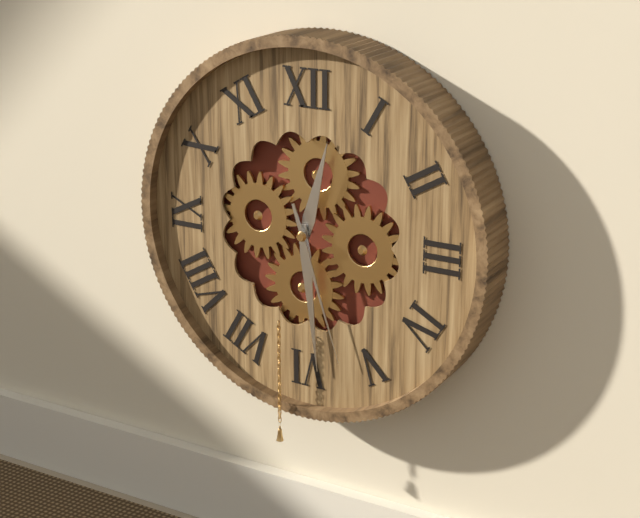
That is h=12 m=29 s=27
